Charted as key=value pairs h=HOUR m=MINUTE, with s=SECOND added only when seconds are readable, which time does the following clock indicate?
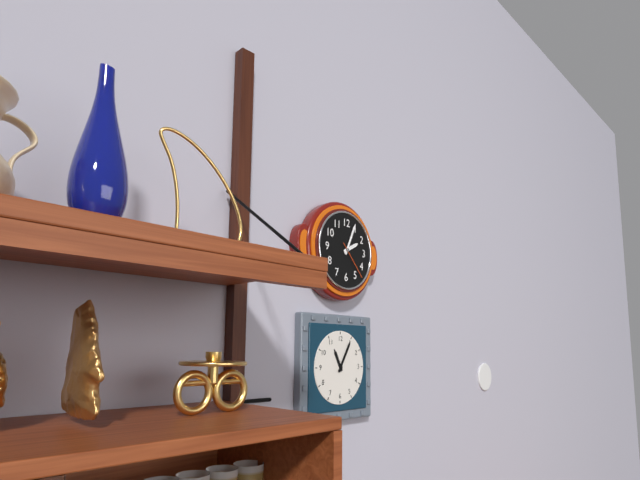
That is h=2 m=4
